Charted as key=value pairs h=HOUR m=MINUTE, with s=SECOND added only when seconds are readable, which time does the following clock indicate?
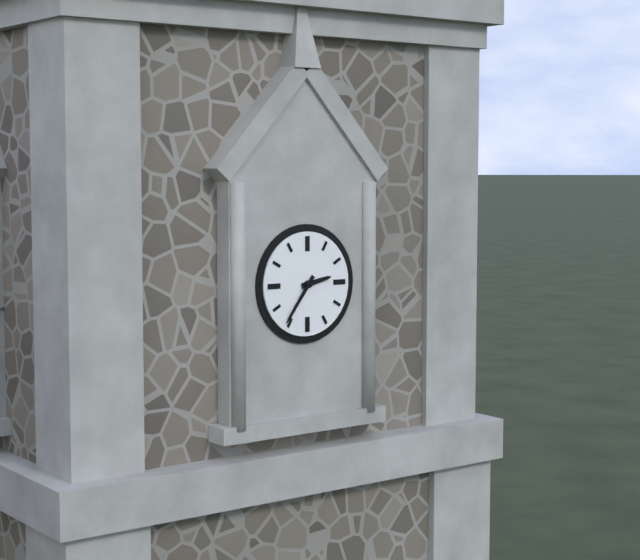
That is h=2 m=36
